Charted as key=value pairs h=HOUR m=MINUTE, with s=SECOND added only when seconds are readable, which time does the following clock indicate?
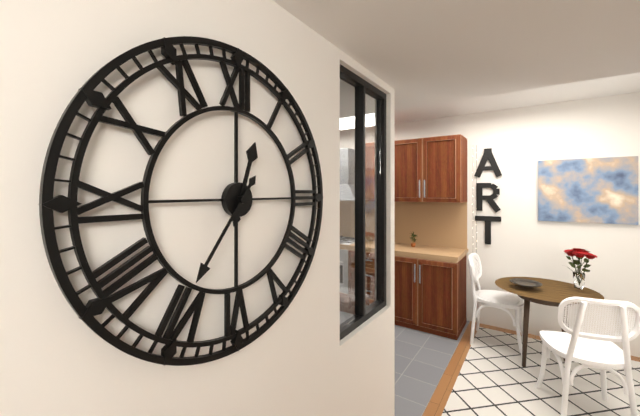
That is h=12 m=36
